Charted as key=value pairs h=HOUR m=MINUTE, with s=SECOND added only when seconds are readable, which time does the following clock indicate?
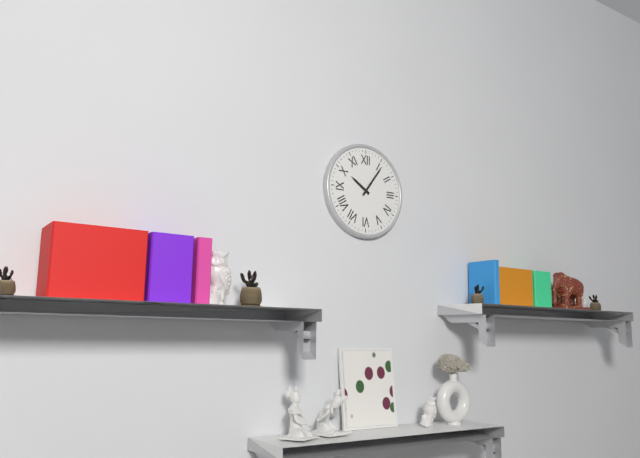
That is h=10 m=6
